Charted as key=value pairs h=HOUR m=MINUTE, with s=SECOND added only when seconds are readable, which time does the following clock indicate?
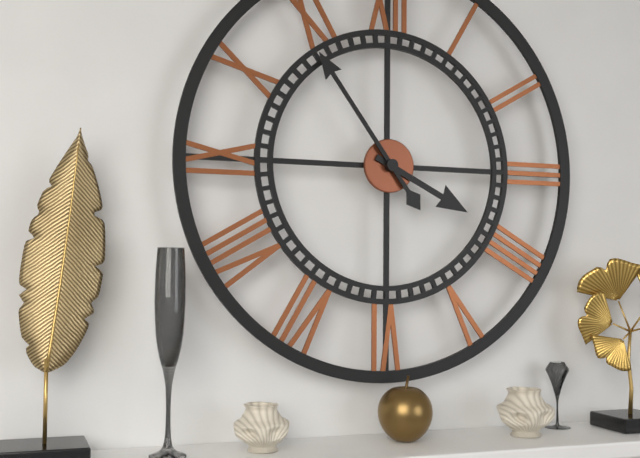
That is h=3 m=54
